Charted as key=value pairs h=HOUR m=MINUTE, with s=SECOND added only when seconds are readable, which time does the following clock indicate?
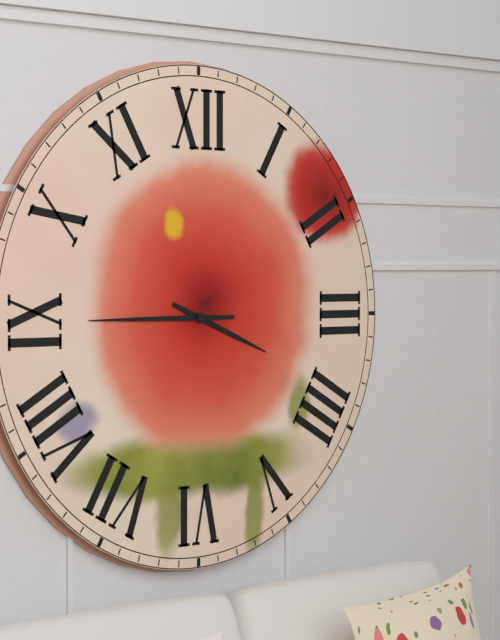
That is h=3 m=45
